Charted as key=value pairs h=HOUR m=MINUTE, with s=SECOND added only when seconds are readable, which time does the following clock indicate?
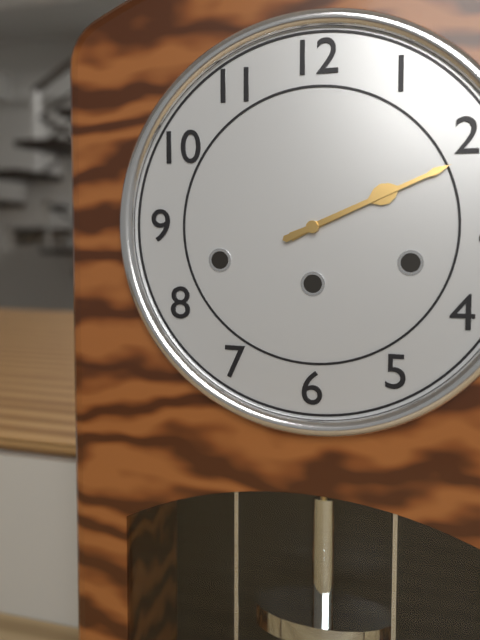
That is h=2 m=11
